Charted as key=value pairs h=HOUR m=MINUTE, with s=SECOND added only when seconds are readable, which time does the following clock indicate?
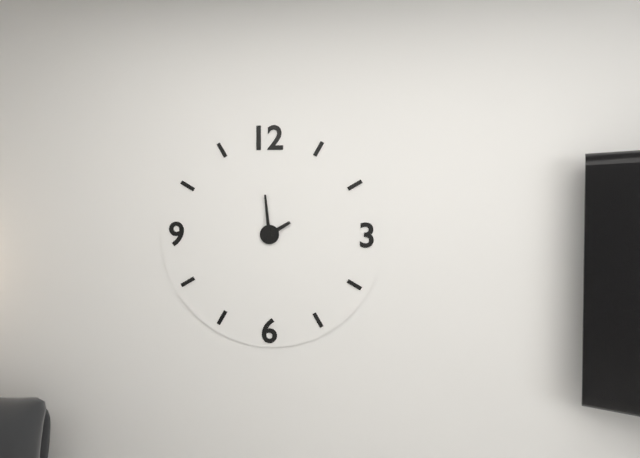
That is h=1 m=59
